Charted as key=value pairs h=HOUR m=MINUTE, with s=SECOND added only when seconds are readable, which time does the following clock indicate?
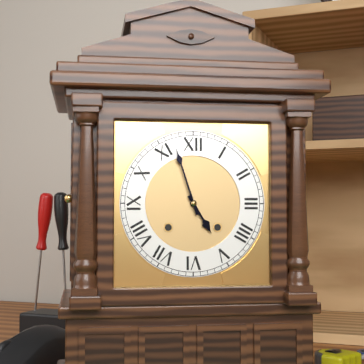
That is h=4 m=57
